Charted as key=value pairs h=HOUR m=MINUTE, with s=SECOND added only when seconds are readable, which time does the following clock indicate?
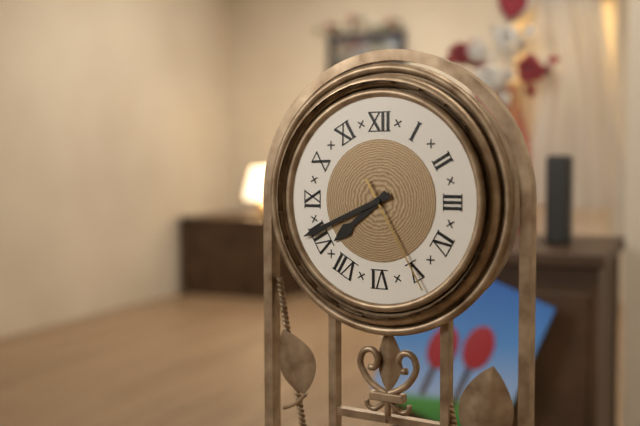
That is h=7 m=41 s=25
